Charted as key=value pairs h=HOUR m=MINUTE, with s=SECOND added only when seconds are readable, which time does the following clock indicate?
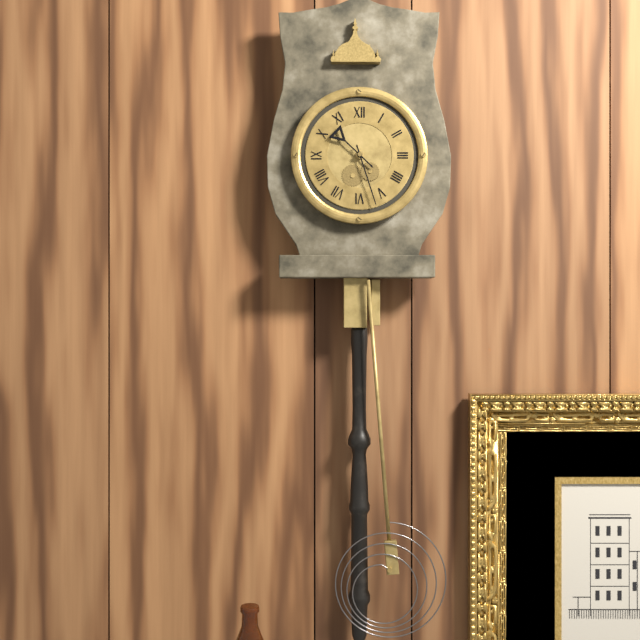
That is h=10 m=27
